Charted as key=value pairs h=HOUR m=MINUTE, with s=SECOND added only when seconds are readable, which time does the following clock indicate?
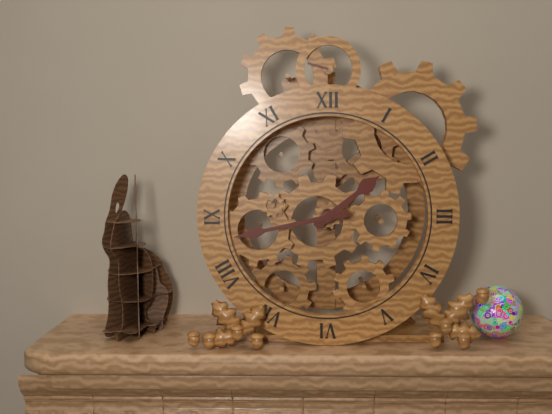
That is h=1 m=43
